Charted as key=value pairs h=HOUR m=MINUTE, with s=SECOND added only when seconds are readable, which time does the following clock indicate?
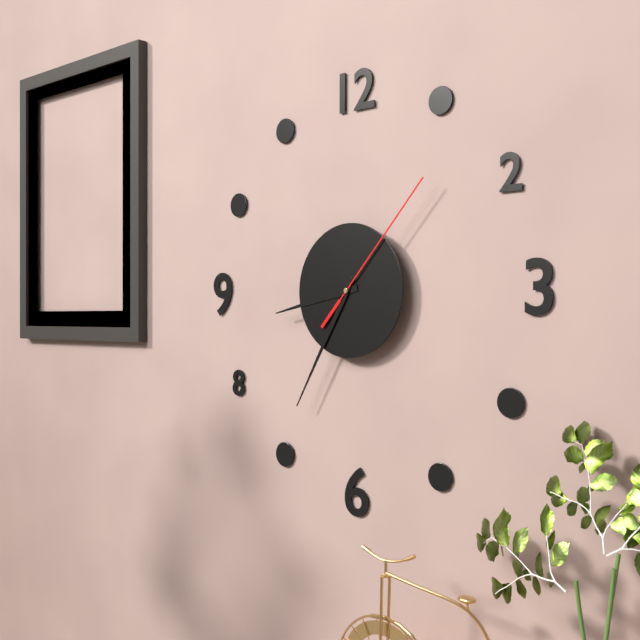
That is h=8 m=35 s=7
